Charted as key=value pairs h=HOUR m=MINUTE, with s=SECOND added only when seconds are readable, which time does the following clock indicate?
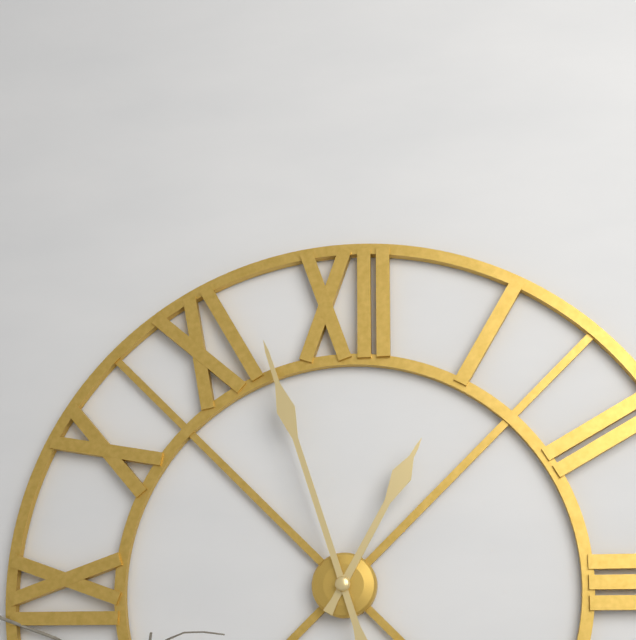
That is h=12 m=57
